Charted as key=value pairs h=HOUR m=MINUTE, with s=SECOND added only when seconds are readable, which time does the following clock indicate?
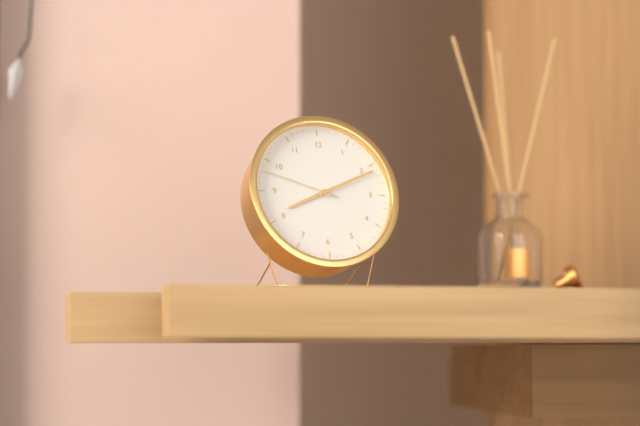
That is h=8 m=11 s=48
